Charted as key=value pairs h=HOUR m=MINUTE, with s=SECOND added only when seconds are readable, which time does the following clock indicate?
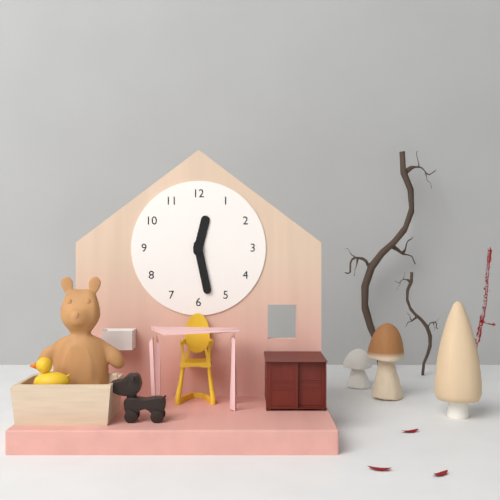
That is h=12 m=28
